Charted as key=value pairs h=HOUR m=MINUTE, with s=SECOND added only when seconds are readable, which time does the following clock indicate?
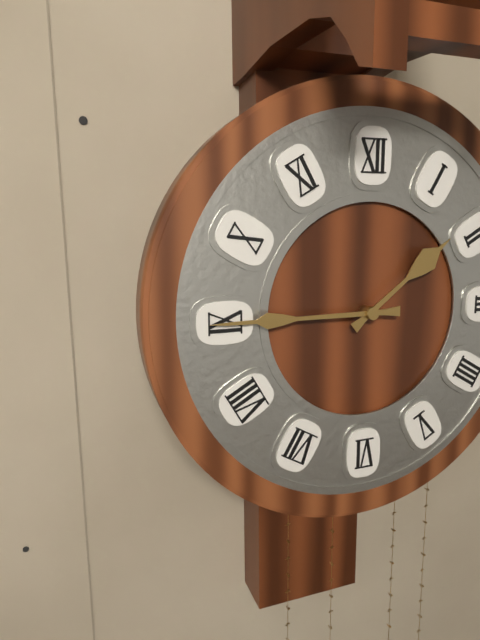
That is h=1 m=45
